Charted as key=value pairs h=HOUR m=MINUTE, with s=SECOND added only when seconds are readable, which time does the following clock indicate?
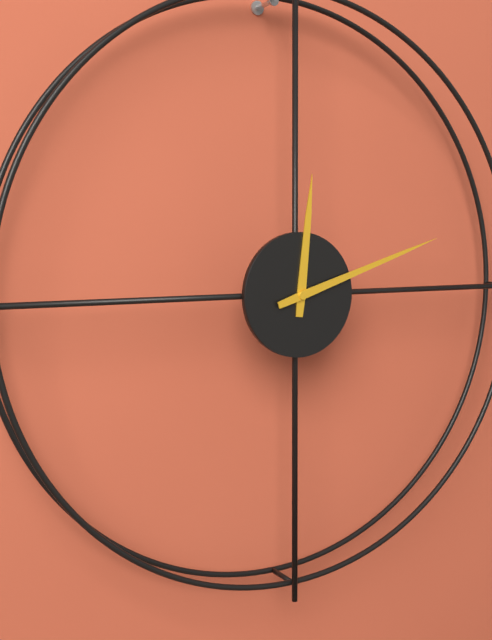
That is h=12 m=12
